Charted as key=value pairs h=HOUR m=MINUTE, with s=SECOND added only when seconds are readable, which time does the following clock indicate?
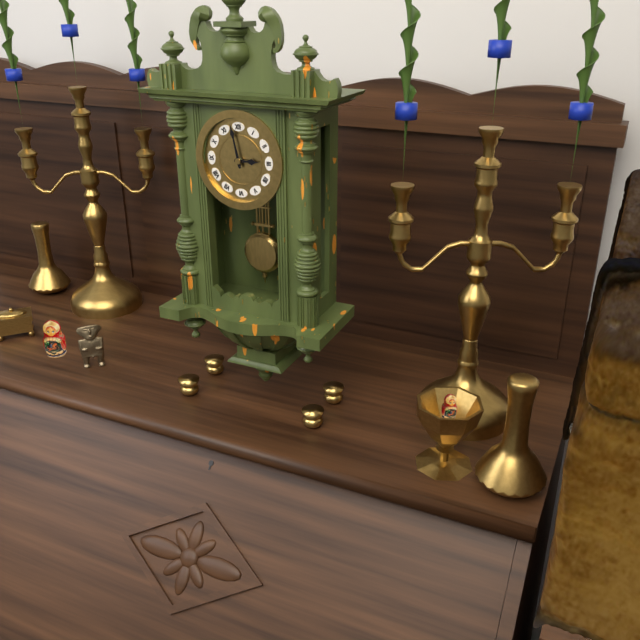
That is h=2 m=58
